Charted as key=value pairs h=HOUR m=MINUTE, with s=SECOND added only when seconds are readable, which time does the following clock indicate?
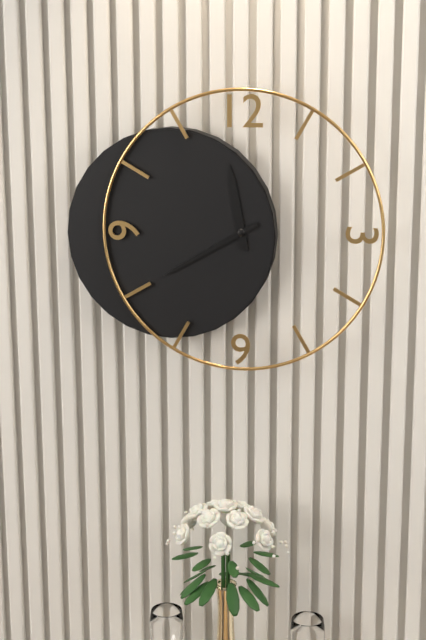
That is h=11 m=40
